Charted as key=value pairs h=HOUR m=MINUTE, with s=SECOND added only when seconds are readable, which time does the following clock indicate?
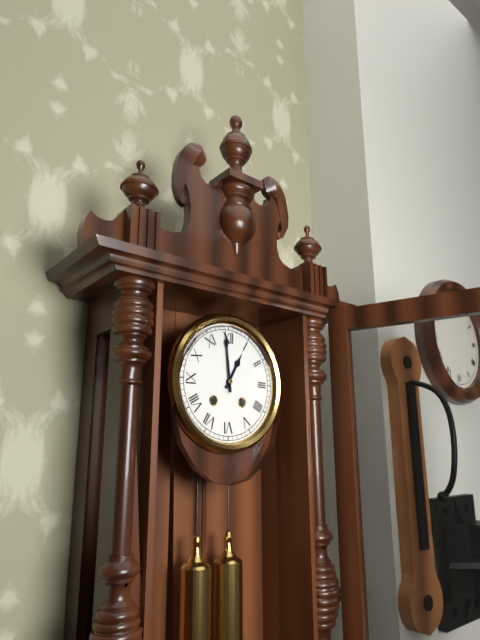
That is h=12 m=59
